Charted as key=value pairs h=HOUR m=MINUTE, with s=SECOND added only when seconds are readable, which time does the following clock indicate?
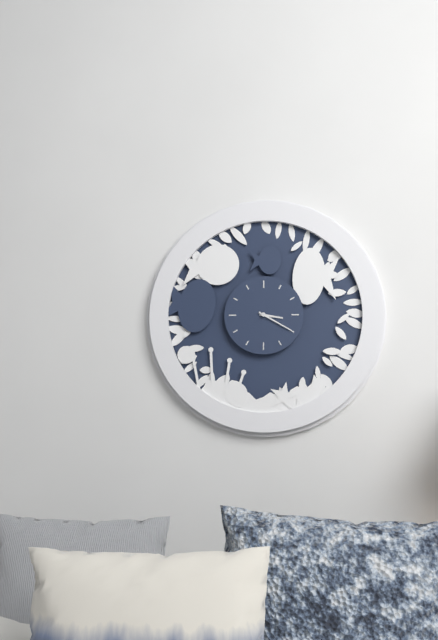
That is h=3 m=20
